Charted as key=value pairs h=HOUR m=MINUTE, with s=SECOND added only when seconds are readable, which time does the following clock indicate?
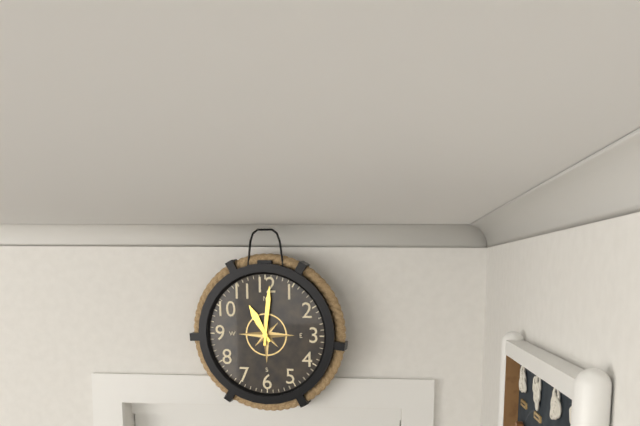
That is h=11 m=1
